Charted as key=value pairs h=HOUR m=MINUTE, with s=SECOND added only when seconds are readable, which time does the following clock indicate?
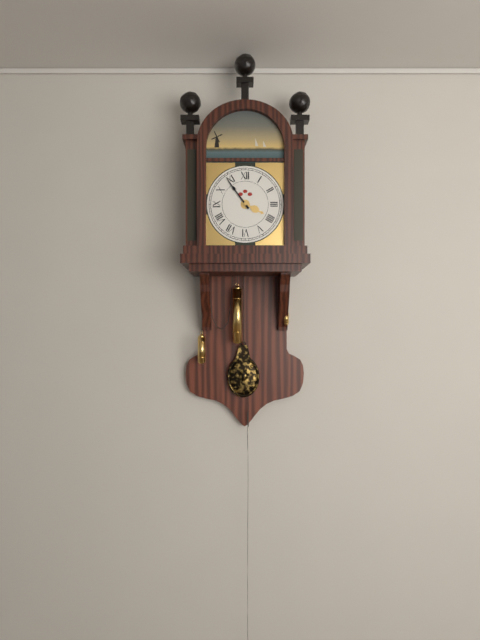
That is h=3 m=54
